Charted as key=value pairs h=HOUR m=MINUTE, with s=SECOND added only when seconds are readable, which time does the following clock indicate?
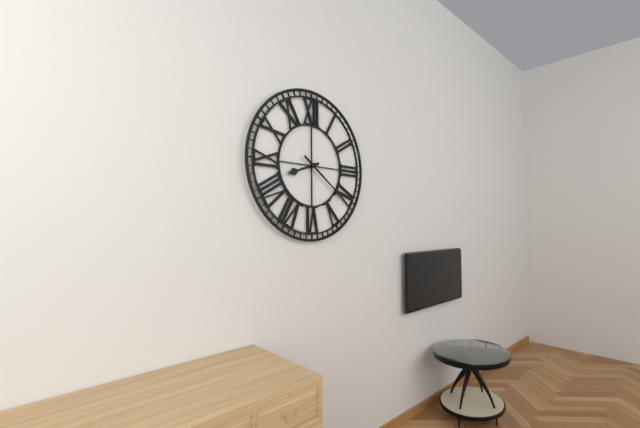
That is h=8 m=21
